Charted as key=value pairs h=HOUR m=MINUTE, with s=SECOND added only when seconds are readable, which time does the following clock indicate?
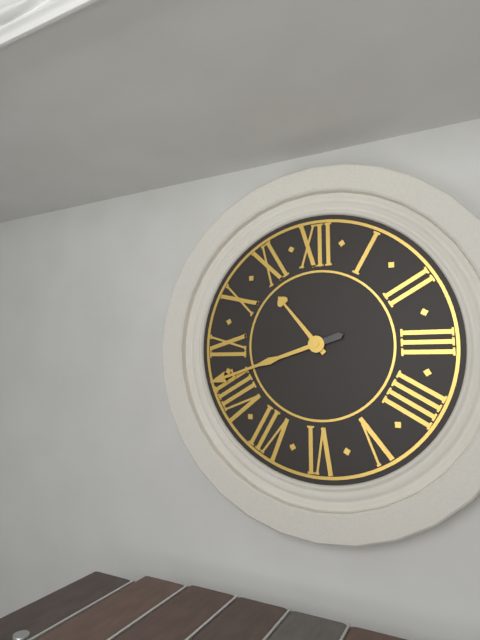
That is h=10 m=42
